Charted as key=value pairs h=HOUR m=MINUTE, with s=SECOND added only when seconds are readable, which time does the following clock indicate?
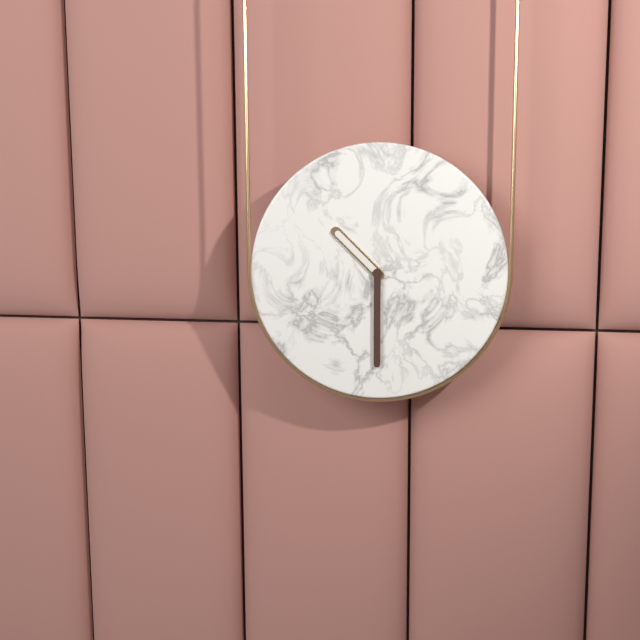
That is h=10 m=30
